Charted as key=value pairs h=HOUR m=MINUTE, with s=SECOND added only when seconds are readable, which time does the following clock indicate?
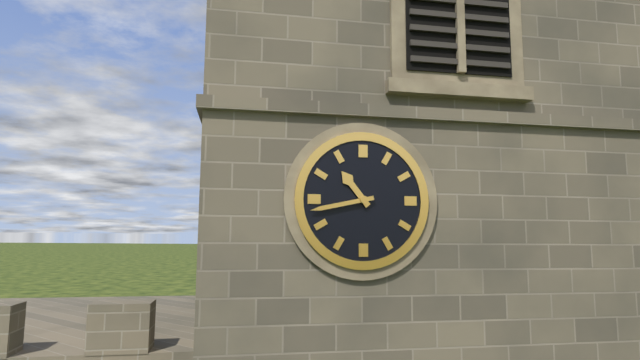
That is h=10 m=43
